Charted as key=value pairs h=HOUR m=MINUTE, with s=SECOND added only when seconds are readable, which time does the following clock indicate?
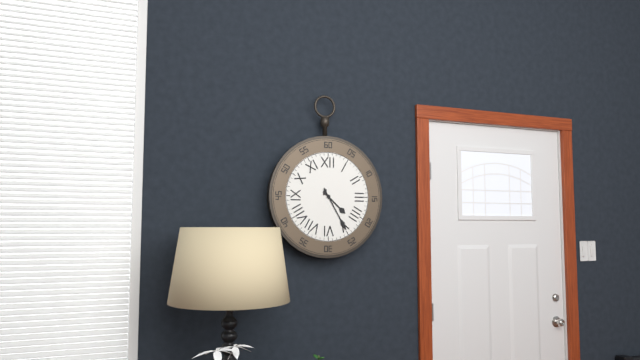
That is h=4 m=25
